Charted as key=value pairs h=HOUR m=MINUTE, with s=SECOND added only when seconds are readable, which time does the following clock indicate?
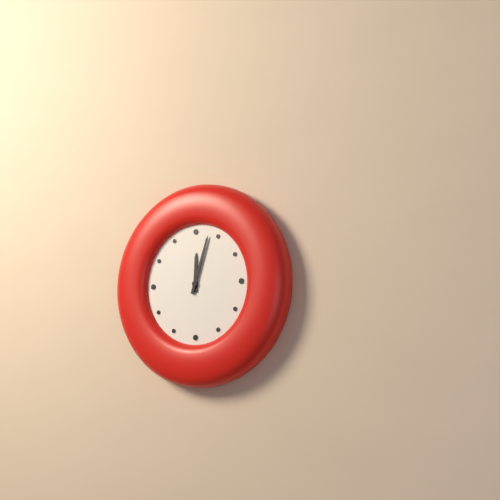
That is h=12 m=3
